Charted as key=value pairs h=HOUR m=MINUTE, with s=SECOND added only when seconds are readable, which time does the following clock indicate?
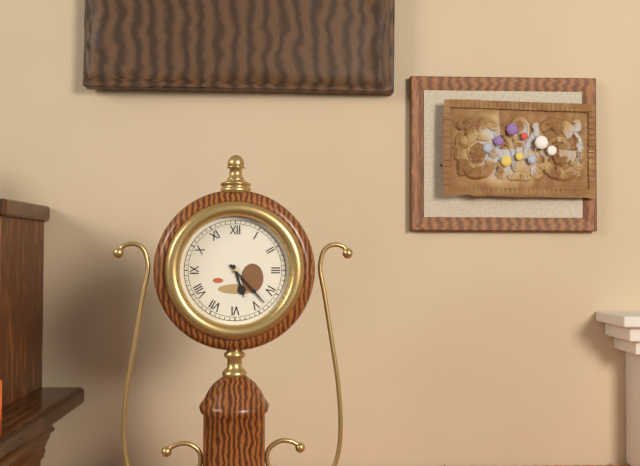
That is h=5 m=23
